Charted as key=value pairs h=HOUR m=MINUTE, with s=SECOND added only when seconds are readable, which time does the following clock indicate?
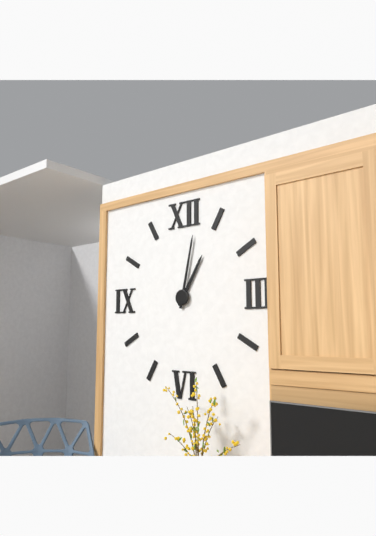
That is h=1 m=2
